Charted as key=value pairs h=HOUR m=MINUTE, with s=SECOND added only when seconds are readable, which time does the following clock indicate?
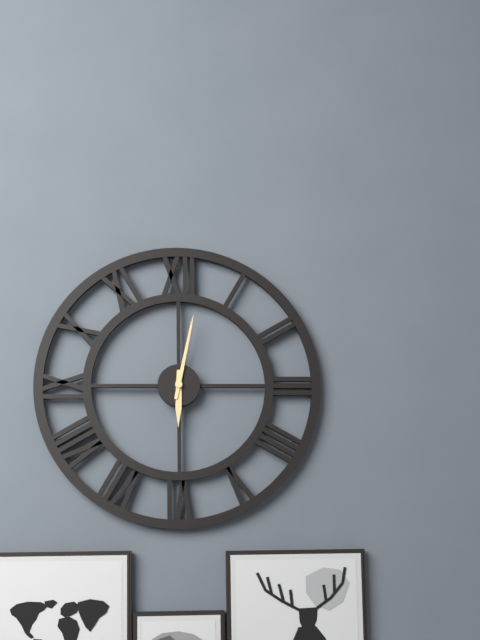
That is h=6 m=2
